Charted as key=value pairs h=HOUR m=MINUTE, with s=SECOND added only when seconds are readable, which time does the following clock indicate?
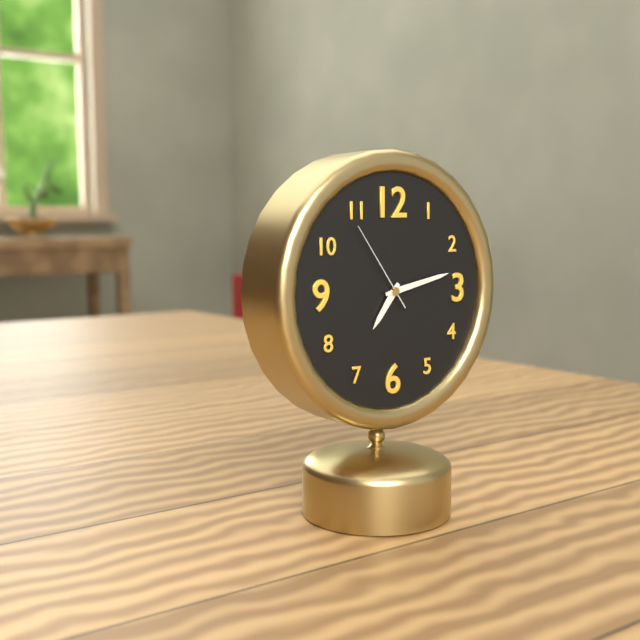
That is h=7 m=13 s=54
